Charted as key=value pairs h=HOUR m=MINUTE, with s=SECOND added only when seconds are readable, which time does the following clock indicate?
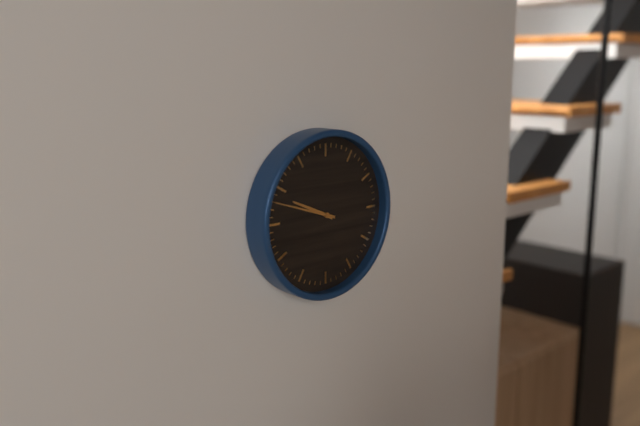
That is h=9 m=48
